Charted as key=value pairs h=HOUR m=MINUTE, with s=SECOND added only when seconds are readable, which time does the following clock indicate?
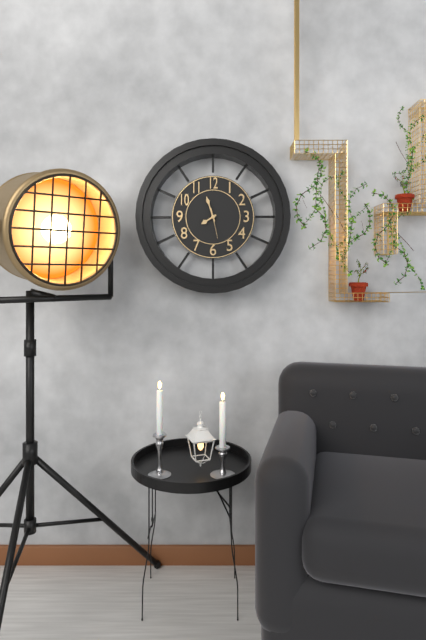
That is h=7 m=57
